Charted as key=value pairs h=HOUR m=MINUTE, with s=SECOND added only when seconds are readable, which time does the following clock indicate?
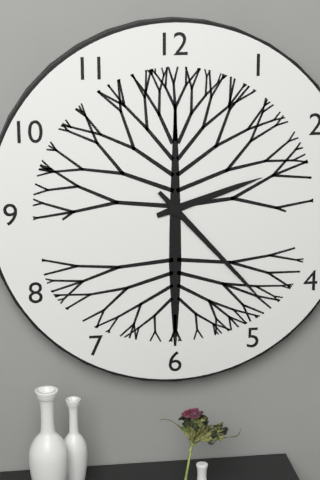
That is h=2 m=23
